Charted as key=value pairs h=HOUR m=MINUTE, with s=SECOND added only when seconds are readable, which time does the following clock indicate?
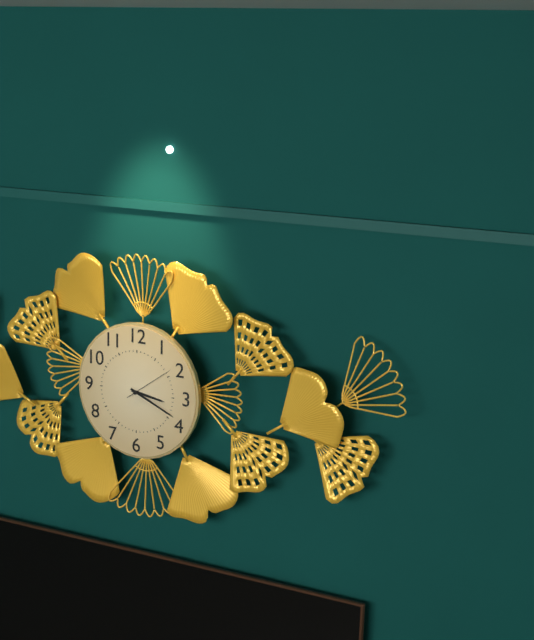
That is h=3 m=19 s=9
